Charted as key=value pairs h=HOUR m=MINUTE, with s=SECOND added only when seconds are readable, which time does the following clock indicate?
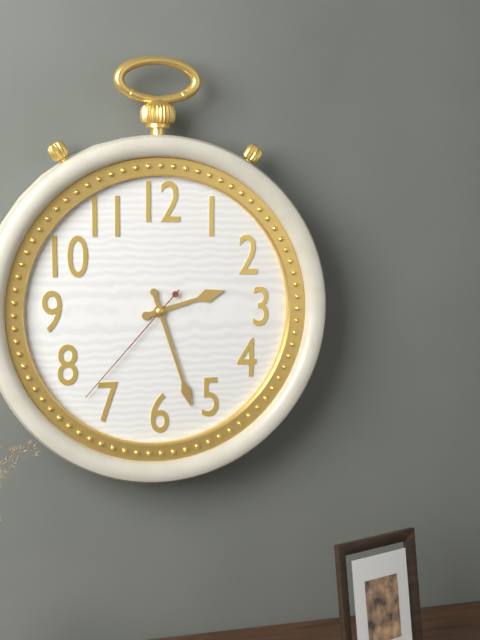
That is h=2 m=27 s=37
